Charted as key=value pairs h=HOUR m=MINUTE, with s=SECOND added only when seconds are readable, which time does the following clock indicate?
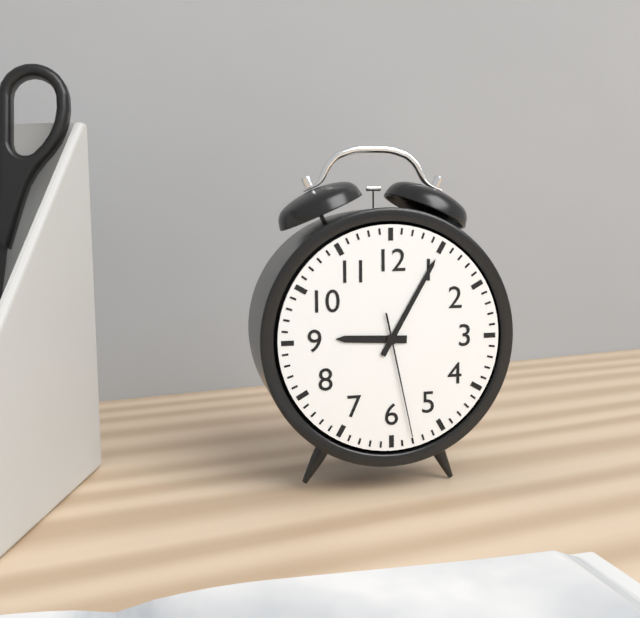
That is h=9 m=5 s=28
